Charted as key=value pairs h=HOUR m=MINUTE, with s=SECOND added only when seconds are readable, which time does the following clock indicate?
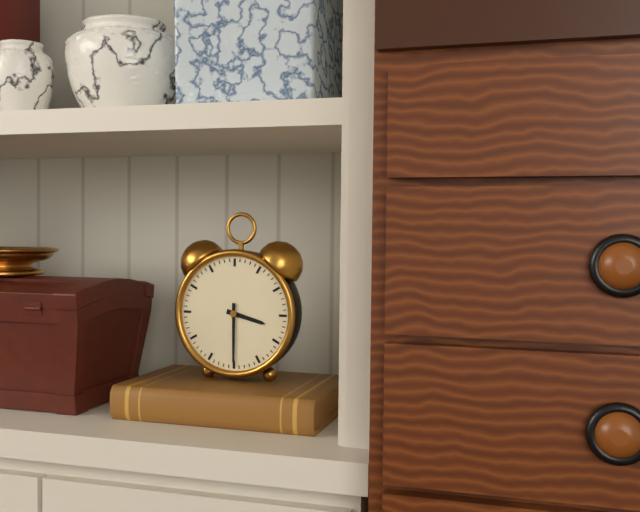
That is h=3 m=30
